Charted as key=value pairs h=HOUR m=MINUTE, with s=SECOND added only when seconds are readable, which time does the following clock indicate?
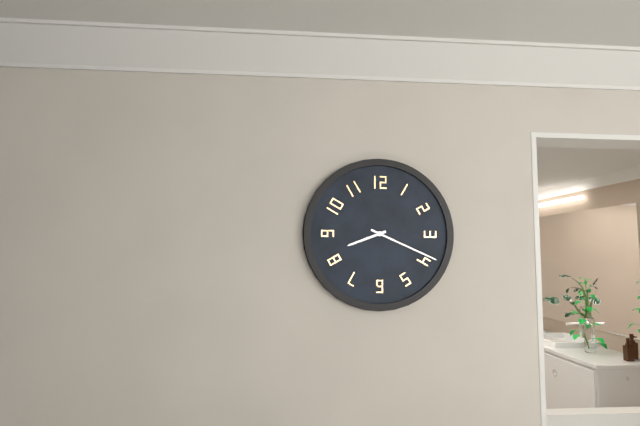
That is h=8 m=19
